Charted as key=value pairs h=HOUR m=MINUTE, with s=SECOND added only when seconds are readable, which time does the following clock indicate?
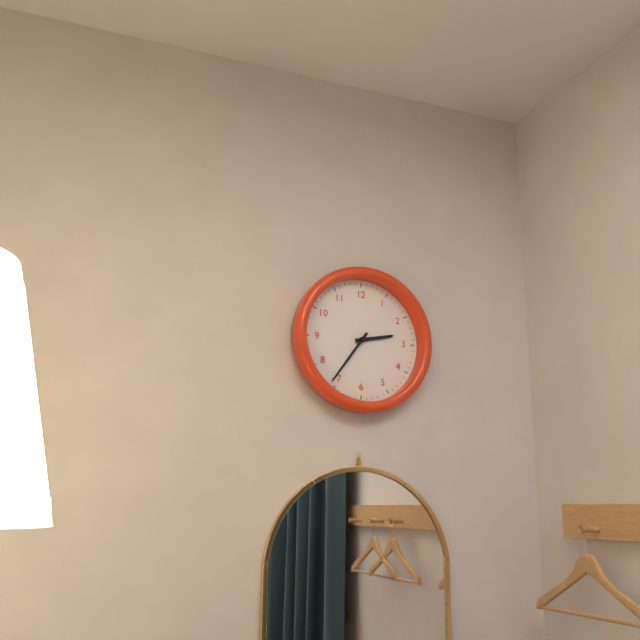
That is h=2 m=36
